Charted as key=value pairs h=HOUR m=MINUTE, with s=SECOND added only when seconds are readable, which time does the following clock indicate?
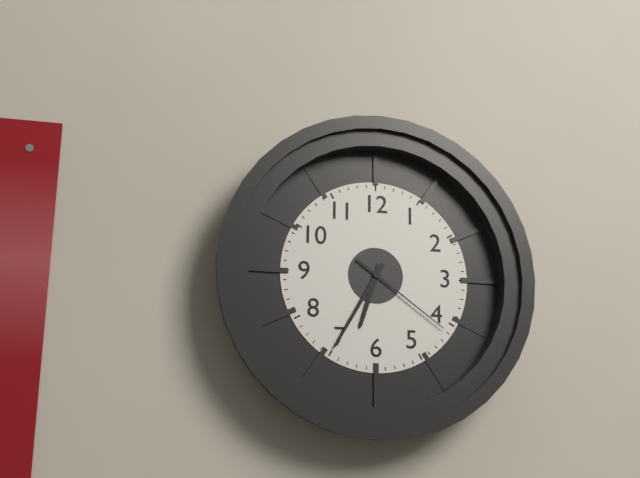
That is h=6 m=35 s=21
